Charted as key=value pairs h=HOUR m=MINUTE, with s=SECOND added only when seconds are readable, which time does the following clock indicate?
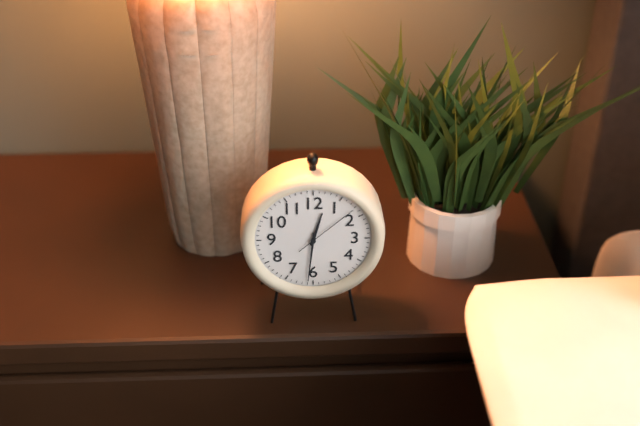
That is h=12 m=31 s=8
